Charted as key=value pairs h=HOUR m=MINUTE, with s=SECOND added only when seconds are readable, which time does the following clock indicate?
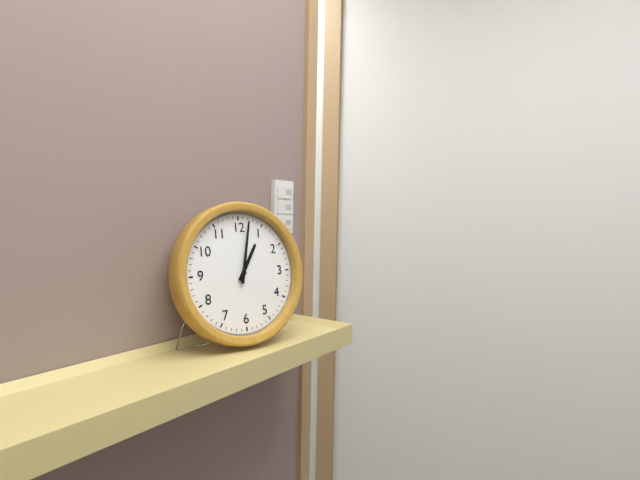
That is h=1 m=2
